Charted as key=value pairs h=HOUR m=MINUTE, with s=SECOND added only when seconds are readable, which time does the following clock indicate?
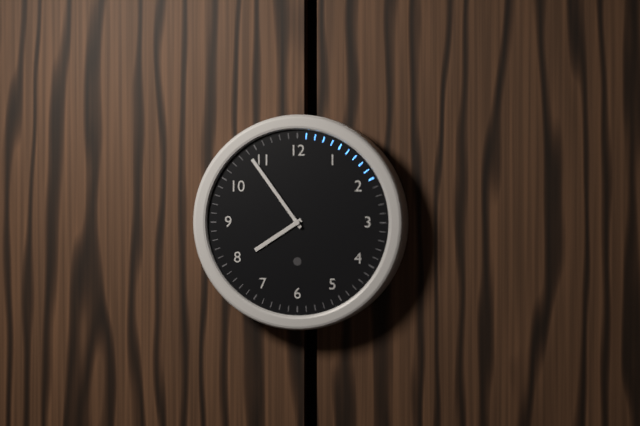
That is h=7 m=54
